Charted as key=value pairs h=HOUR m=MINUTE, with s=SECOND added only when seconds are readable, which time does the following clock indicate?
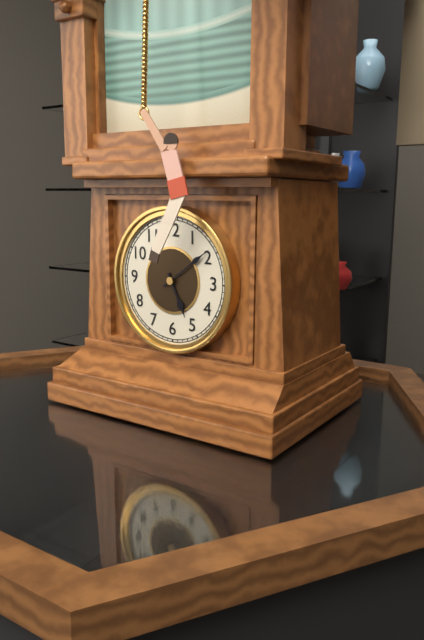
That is h=5 m=9
